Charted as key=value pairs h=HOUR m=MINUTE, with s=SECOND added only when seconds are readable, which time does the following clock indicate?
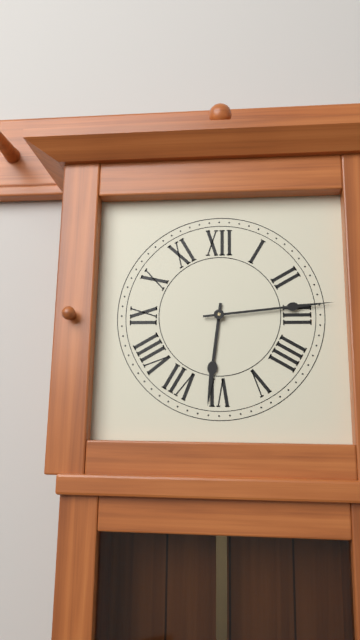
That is h=6 m=14
